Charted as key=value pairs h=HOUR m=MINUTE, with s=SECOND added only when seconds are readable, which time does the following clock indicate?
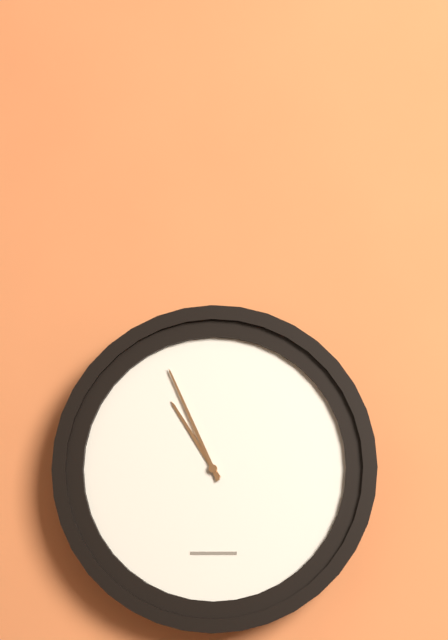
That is h=10 m=56
